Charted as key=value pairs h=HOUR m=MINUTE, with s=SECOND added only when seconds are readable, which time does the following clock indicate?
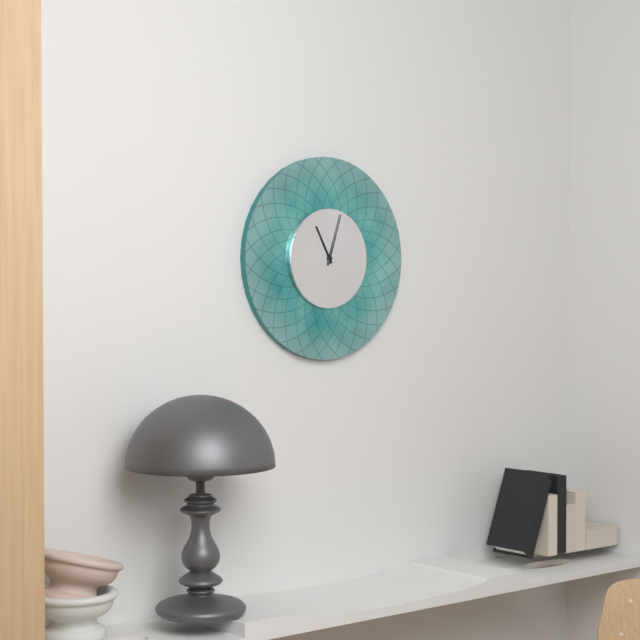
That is h=11 m=3
